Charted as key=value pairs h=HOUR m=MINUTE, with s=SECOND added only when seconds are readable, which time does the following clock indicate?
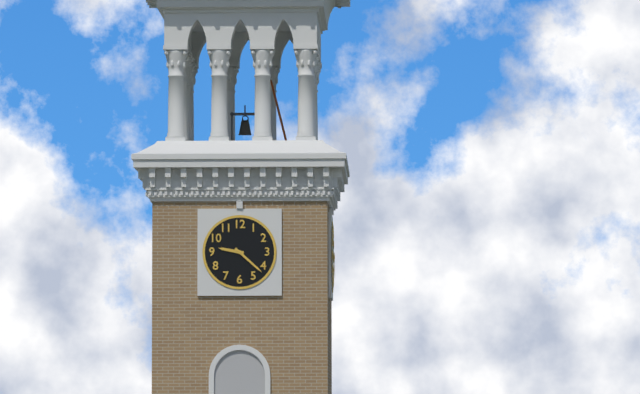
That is h=9 m=22
